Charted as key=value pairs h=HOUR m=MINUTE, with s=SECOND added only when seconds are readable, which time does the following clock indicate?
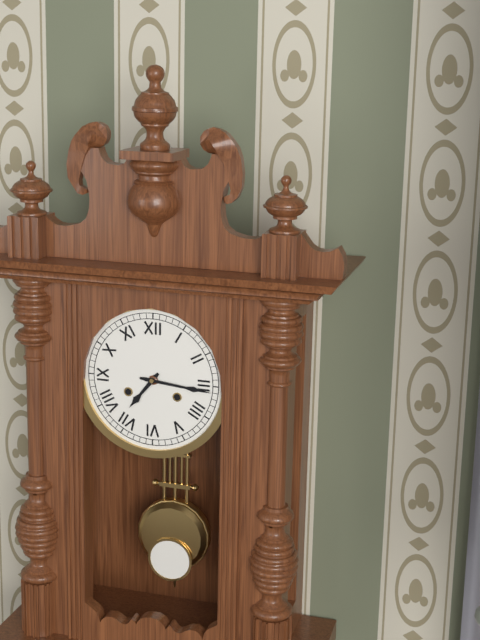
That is h=7 m=16
